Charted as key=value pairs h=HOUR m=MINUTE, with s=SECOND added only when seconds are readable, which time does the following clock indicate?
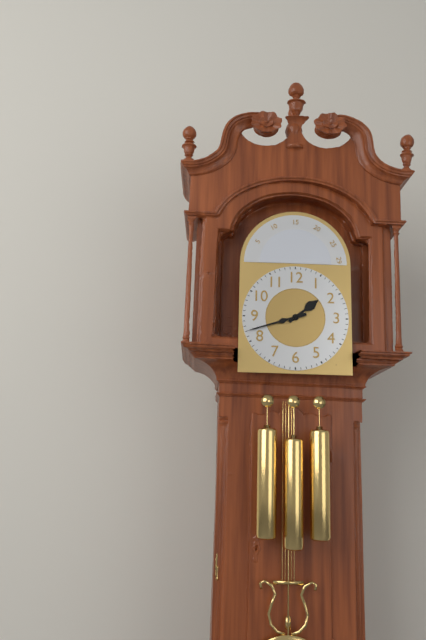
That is h=1 m=42
